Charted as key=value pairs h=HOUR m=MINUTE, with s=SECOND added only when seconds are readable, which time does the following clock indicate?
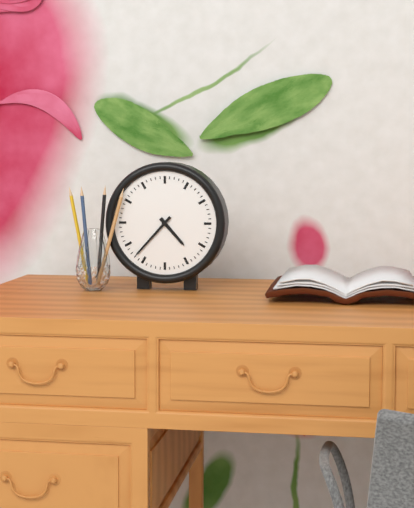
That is h=4 m=37
